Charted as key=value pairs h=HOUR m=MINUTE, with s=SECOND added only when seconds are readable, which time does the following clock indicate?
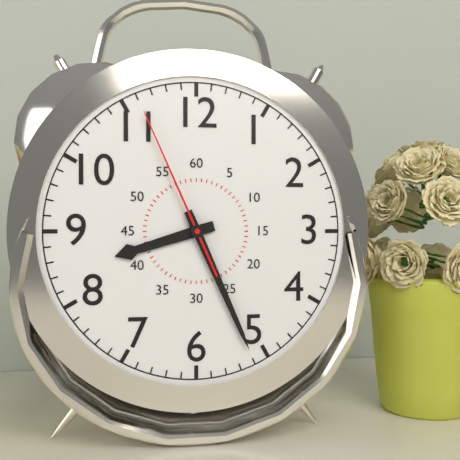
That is h=8 m=26 s=56
